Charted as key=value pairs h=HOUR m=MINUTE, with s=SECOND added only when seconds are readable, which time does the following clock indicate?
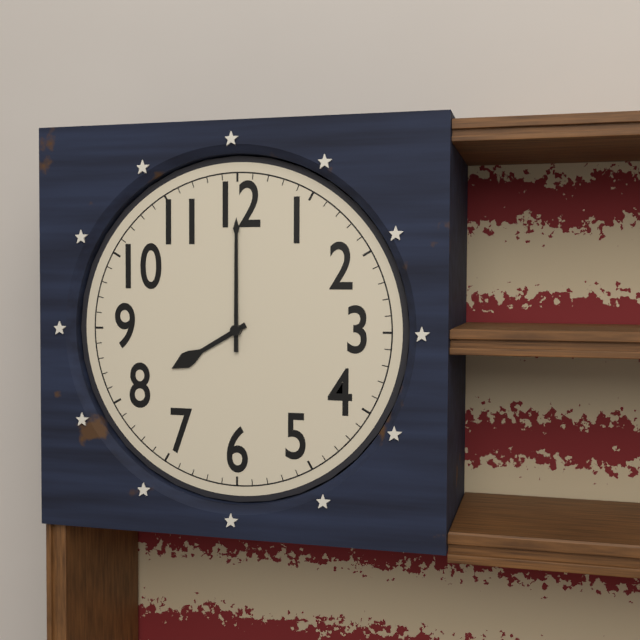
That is h=8 m=0
